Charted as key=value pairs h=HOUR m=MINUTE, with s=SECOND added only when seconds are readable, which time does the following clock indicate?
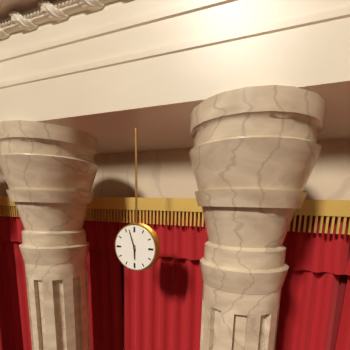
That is h=5 m=57
